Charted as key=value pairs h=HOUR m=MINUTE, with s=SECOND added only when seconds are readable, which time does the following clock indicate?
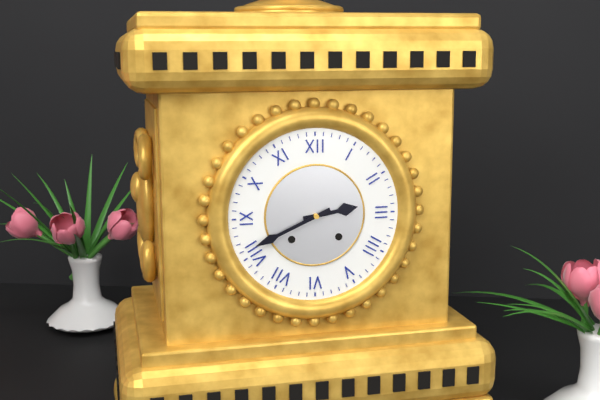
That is h=2 m=41
